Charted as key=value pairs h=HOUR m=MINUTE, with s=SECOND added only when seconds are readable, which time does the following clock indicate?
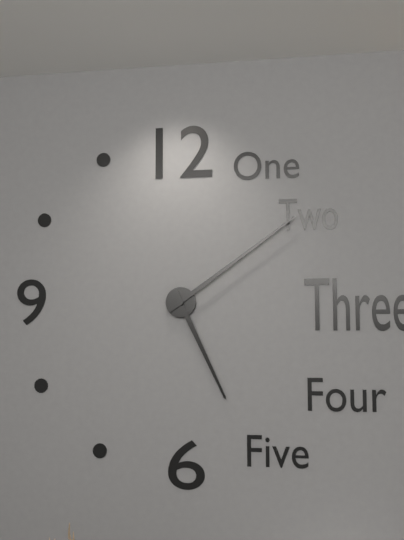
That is h=5 m=9
